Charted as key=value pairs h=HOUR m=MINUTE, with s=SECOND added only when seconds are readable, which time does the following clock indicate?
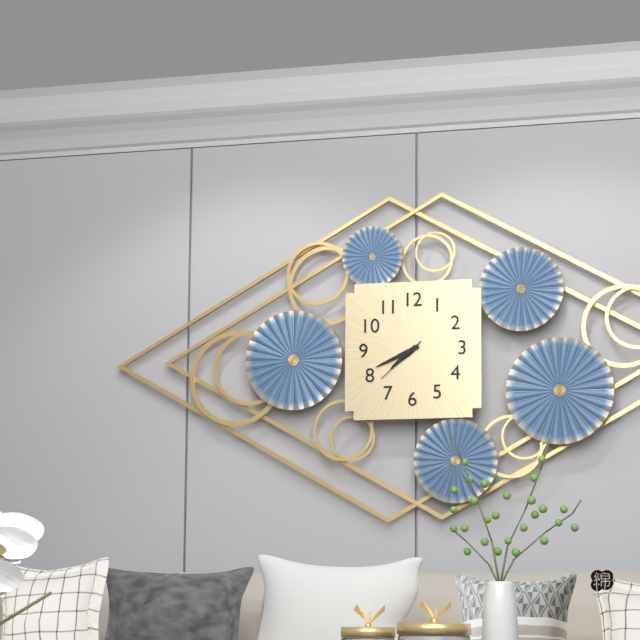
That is h=7 m=41 s=38
